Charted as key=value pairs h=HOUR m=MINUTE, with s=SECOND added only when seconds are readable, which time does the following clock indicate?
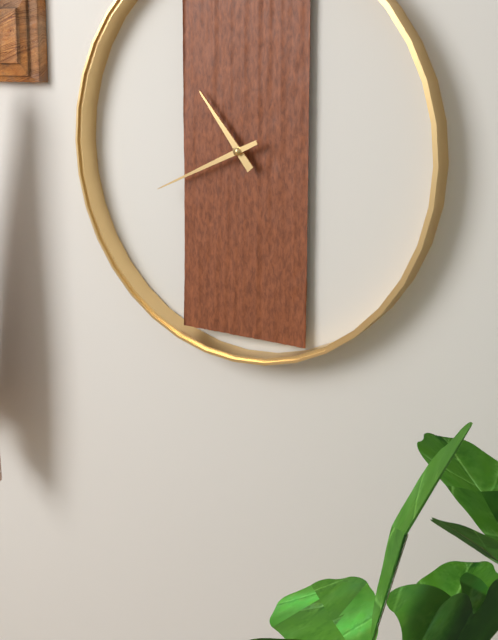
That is h=10 m=41
